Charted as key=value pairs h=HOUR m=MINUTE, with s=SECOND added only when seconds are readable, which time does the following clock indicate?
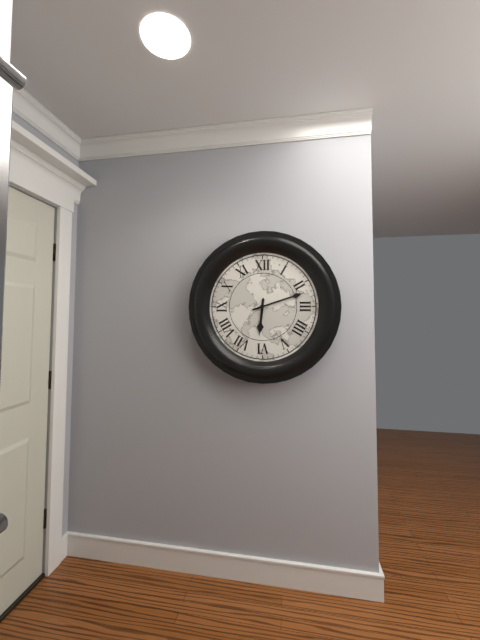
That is h=6 m=12
